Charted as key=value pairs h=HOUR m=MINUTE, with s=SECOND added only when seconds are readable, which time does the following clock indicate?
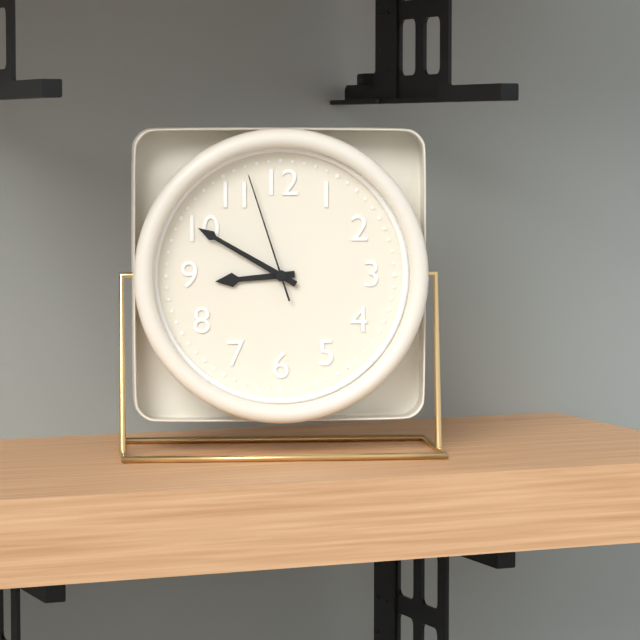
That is h=8 m=50 s=57
